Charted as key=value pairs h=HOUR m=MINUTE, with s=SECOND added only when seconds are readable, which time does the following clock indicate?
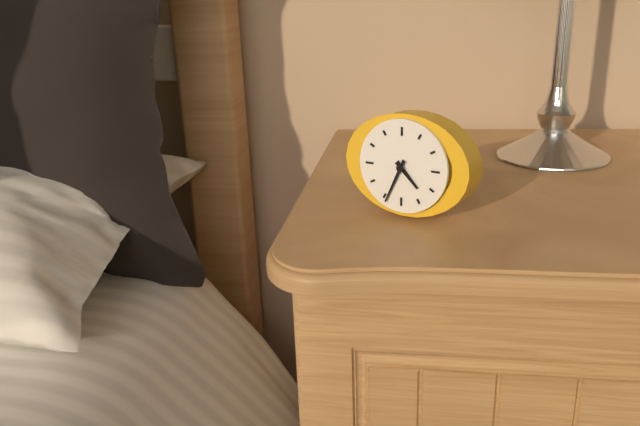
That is h=4 m=34
